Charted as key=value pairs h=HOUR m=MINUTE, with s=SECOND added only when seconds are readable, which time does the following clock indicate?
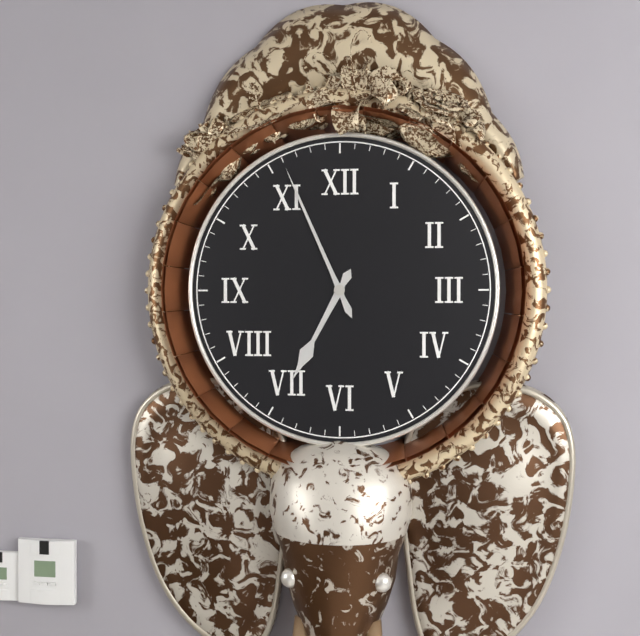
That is h=6 m=56
